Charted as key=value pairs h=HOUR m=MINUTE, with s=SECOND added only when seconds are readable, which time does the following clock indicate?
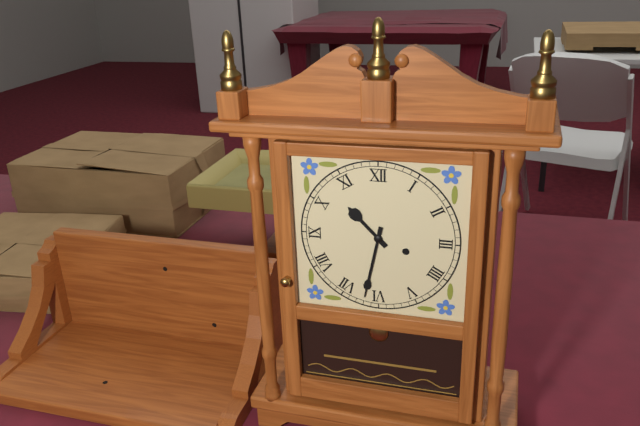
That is h=10 m=32
